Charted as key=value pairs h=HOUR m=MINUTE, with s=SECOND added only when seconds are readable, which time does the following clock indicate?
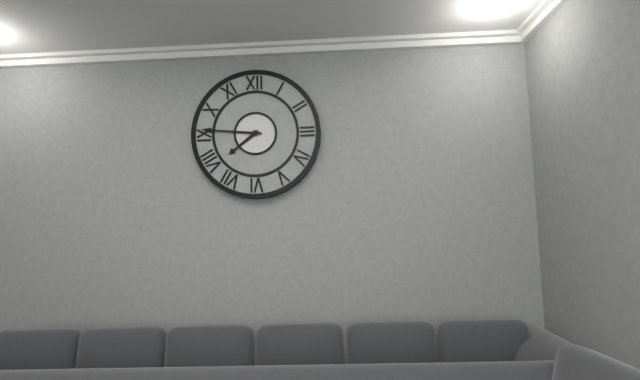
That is h=7 m=46
